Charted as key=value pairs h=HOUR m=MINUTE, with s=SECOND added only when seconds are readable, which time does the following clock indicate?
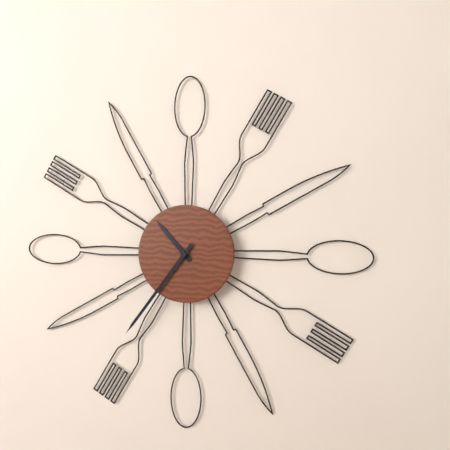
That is h=10 m=36
